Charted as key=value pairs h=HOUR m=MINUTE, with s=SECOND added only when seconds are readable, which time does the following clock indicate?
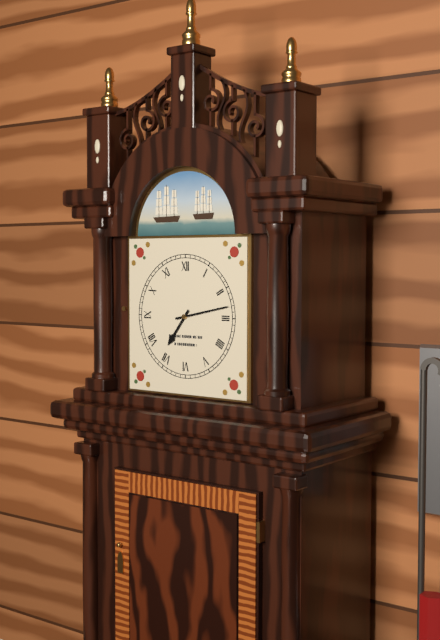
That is h=7 m=13
